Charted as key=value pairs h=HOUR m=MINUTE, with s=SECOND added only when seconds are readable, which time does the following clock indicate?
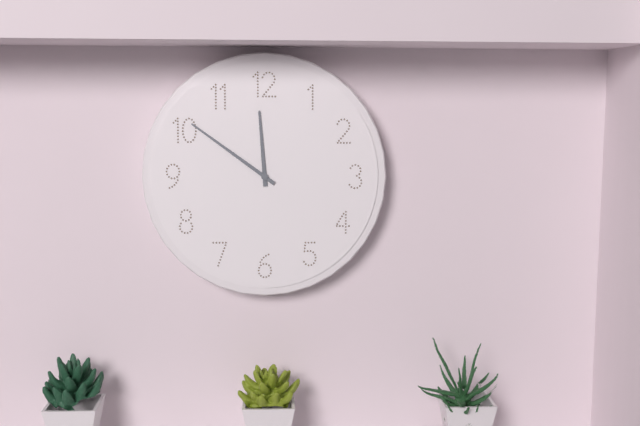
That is h=11 m=51
